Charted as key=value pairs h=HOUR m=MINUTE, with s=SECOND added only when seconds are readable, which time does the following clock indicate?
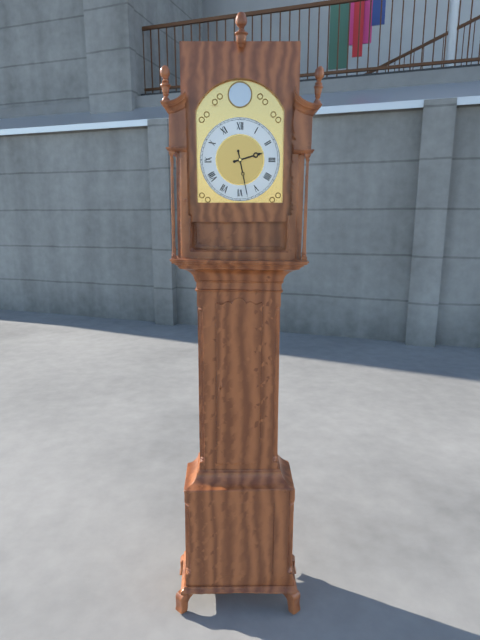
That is h=2 m=28
